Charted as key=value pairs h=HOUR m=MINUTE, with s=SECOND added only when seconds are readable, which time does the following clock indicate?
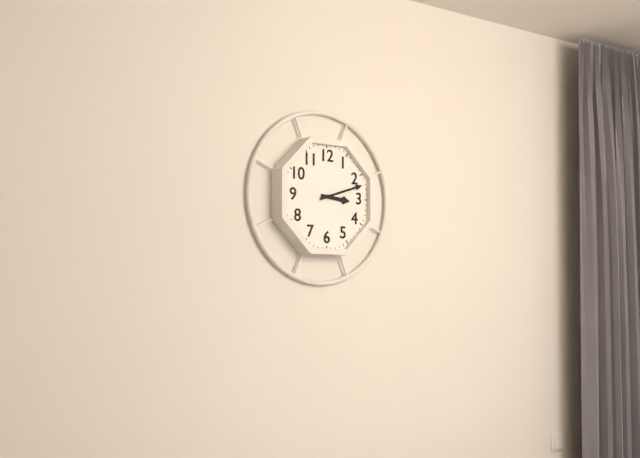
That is h=3 m=12
